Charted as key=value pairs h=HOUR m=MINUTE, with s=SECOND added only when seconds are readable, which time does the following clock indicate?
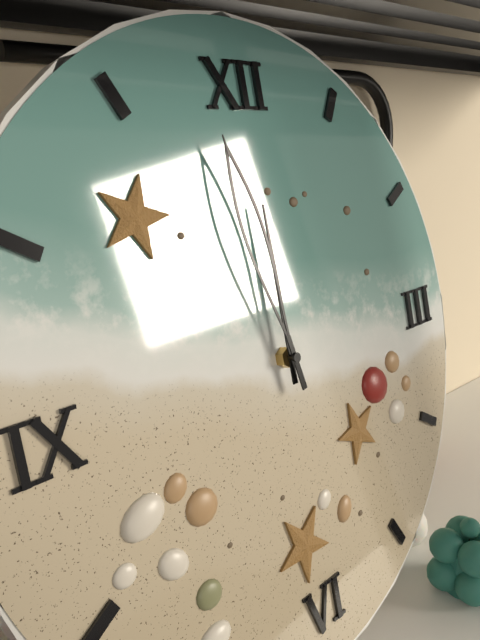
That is h=11 m=58
